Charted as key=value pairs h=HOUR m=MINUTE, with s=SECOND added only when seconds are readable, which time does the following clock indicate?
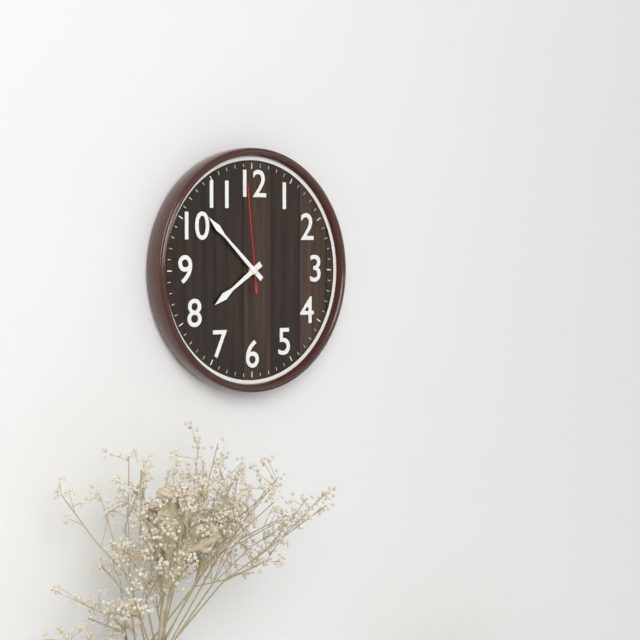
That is h=7 m=52 s=59
